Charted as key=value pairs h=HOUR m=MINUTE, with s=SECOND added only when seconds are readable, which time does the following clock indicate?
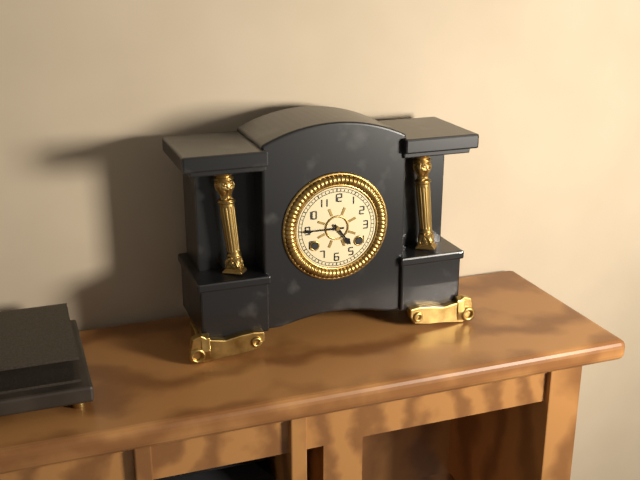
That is h=4 m=45
